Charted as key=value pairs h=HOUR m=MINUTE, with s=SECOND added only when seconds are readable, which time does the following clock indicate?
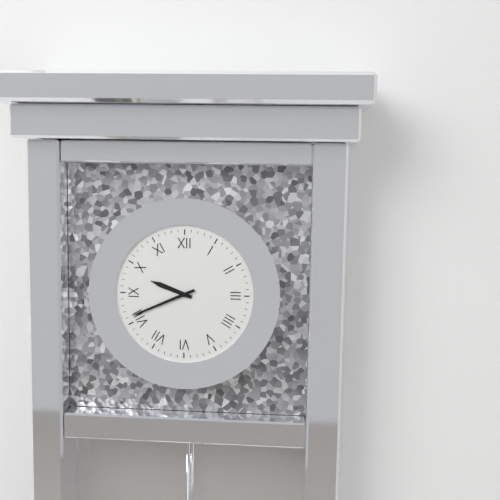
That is h=9 m=41
